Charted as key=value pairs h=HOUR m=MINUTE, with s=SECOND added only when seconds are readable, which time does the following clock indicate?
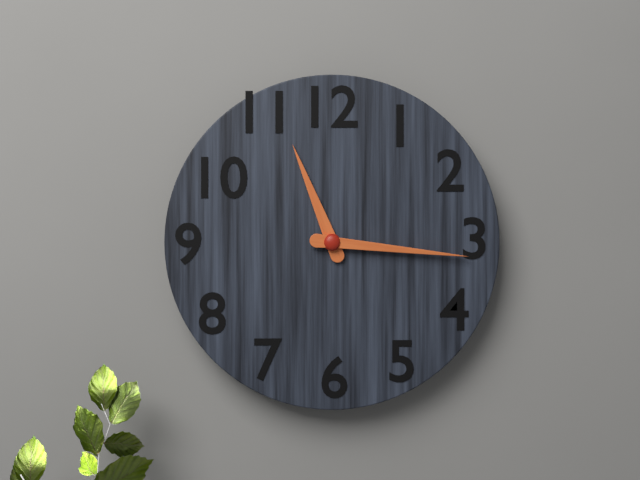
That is h=11 m=16
